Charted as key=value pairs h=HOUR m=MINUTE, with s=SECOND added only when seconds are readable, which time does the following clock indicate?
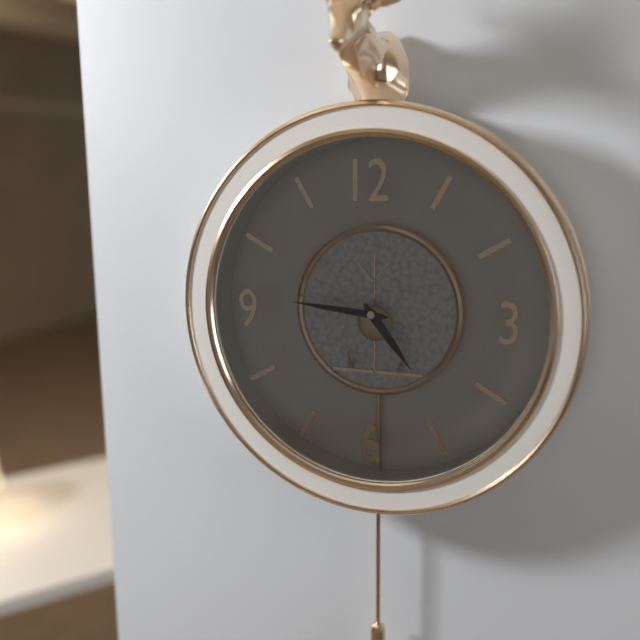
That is h=4 m=46
